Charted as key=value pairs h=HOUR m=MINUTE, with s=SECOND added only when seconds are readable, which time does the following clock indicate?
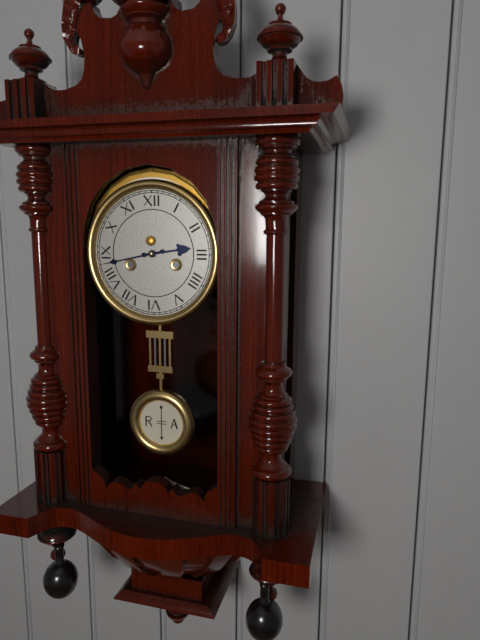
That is h=2 m=43
